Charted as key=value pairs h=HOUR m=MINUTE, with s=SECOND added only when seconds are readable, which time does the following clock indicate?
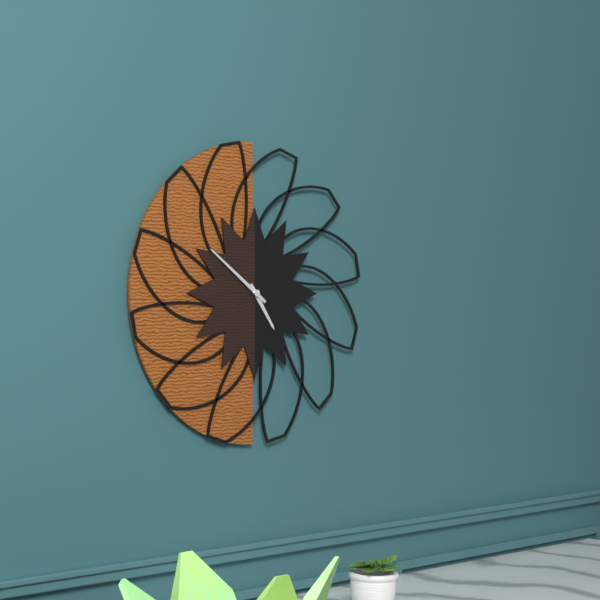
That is h=4 m=51
